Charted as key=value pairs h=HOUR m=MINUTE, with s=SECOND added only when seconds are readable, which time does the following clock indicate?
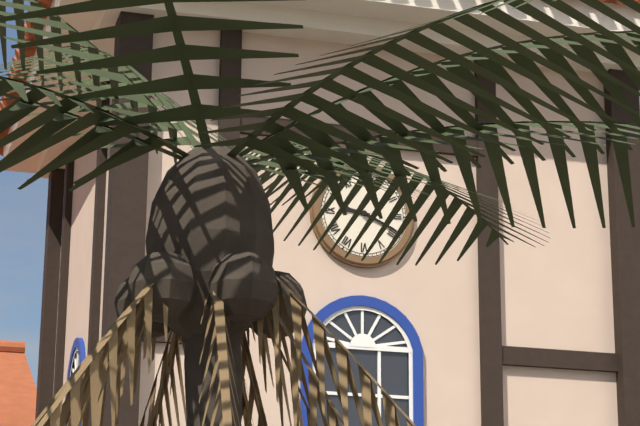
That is h=9 m=19
